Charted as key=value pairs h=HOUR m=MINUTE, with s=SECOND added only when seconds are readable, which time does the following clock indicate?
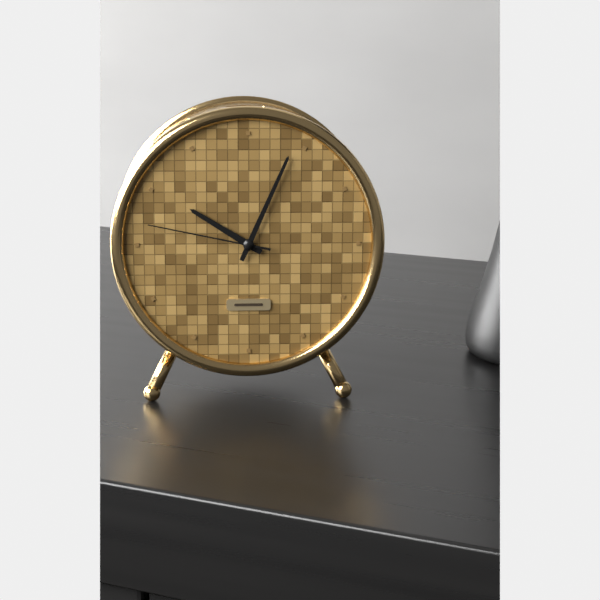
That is h=10 m=4 s=47
